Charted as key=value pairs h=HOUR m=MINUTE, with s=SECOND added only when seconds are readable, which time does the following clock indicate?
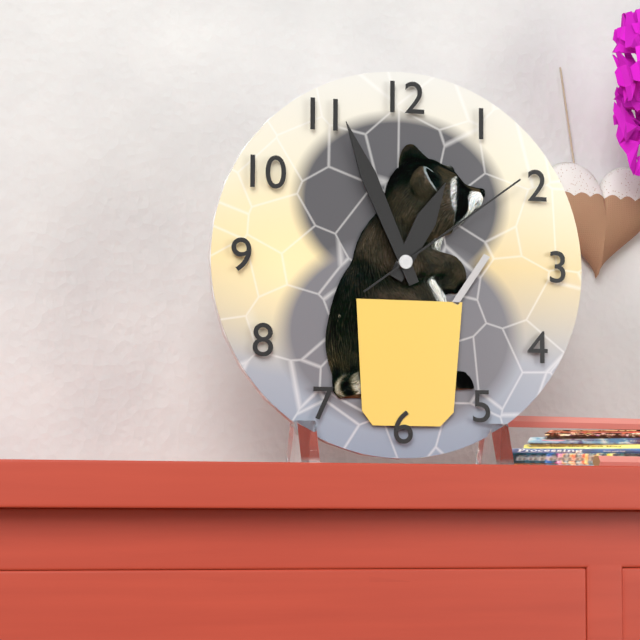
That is h=12 m=56 s=9
